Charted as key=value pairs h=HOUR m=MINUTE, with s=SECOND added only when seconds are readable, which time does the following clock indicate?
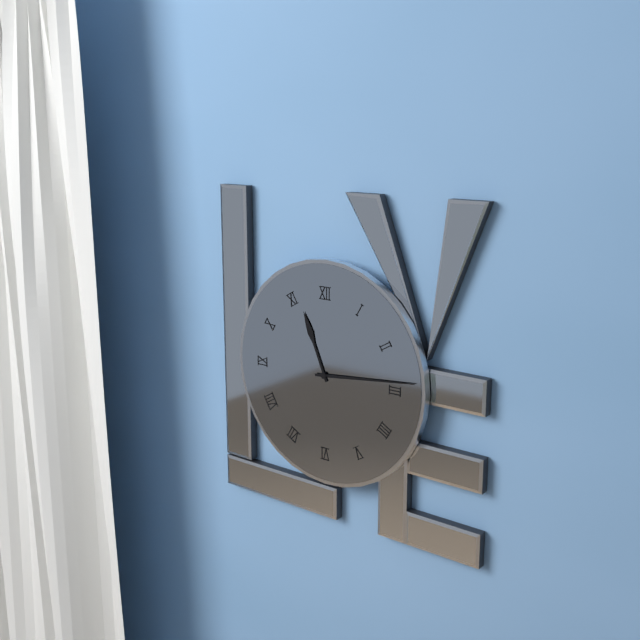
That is h=11 m=14
